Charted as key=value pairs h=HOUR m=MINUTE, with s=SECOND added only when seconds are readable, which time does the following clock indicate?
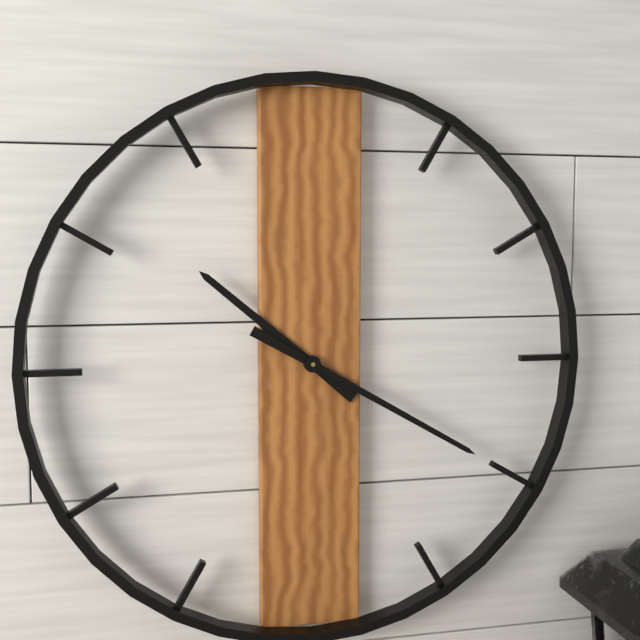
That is h=10 m=20
